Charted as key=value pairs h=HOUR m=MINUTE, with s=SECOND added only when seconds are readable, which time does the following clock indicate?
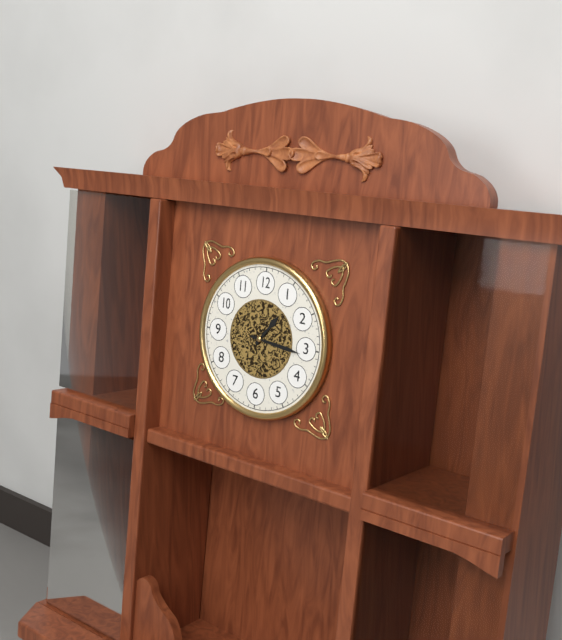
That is h=1 m=16
